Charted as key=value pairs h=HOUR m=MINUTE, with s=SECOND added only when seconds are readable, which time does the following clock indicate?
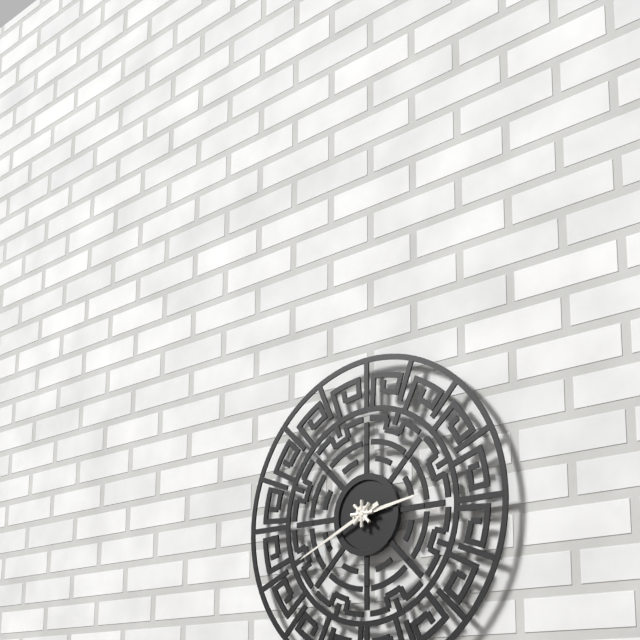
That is h=2 m=41
